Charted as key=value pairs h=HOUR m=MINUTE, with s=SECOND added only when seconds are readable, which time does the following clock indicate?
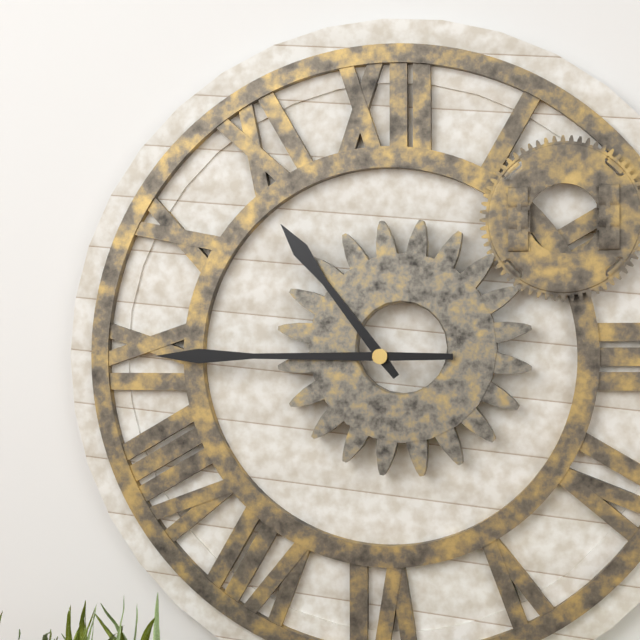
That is h=10 m=45
